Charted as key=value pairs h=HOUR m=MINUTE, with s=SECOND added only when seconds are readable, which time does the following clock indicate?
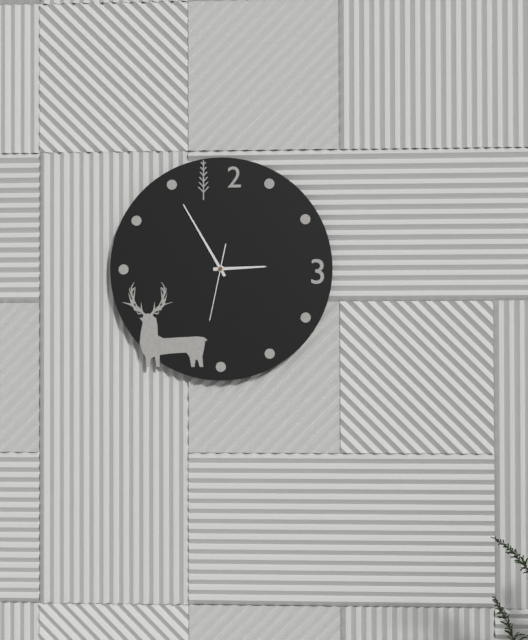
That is h=2 m=55 s=32
